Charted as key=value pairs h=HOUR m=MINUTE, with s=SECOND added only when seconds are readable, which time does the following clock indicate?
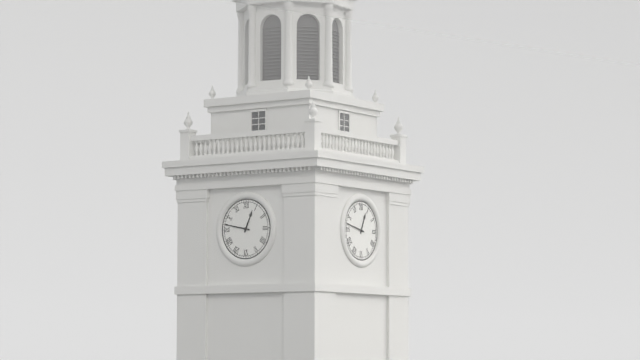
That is h=12 m=47
